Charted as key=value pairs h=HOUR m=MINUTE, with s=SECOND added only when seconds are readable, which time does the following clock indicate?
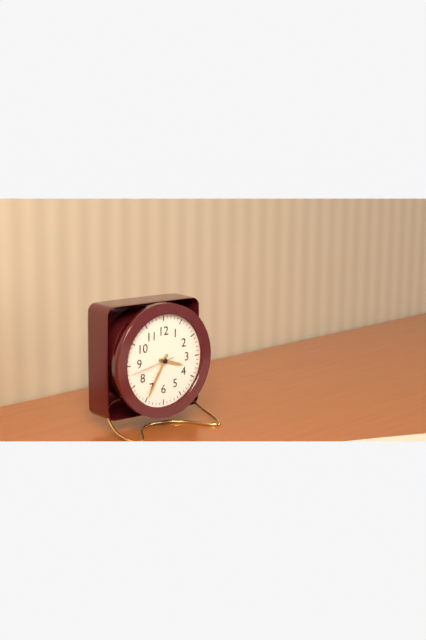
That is h=3 m=35
